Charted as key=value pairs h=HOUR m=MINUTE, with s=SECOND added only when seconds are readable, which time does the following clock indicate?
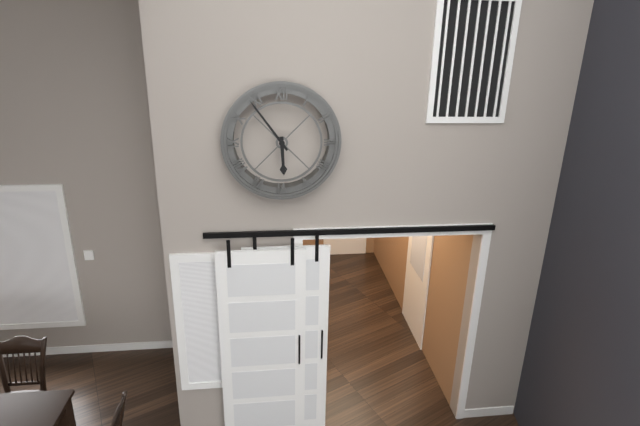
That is h=5 m=54
